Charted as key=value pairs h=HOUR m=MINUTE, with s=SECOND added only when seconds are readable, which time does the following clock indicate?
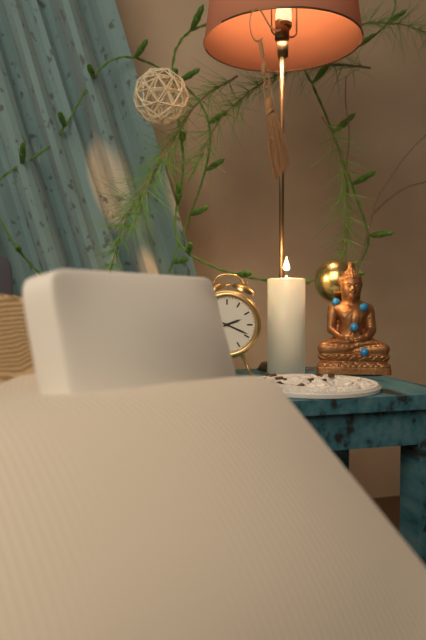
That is h=2 m=19
